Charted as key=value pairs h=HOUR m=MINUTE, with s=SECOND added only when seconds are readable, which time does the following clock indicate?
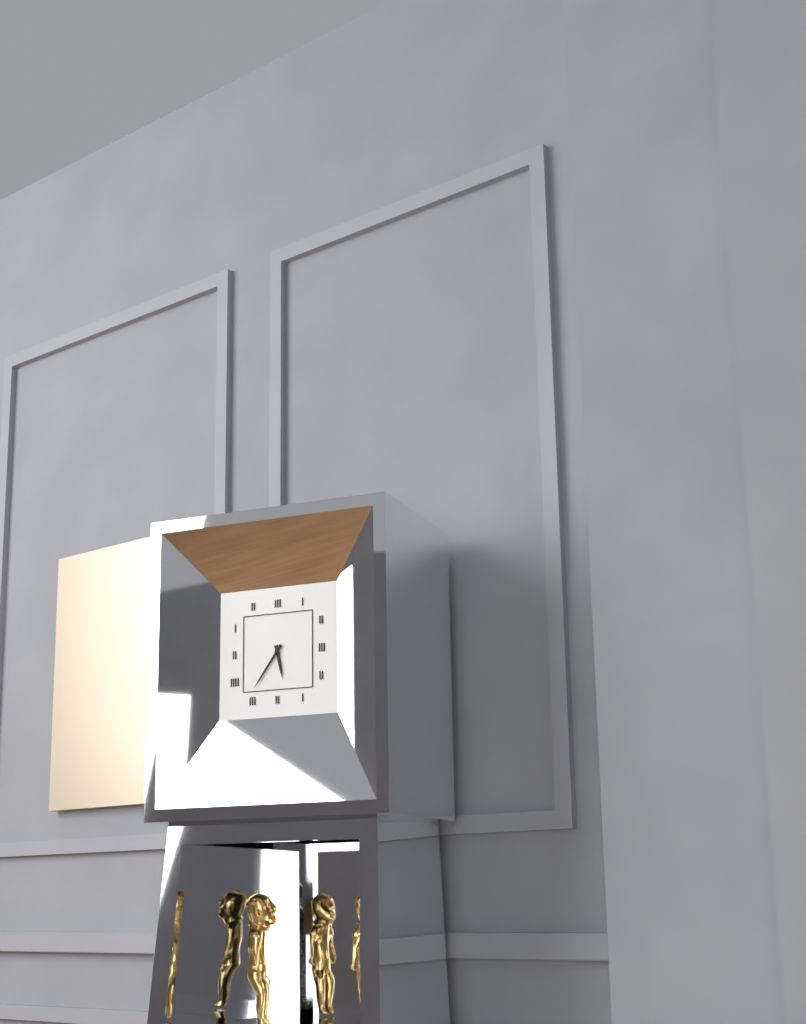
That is h=5 m=36
